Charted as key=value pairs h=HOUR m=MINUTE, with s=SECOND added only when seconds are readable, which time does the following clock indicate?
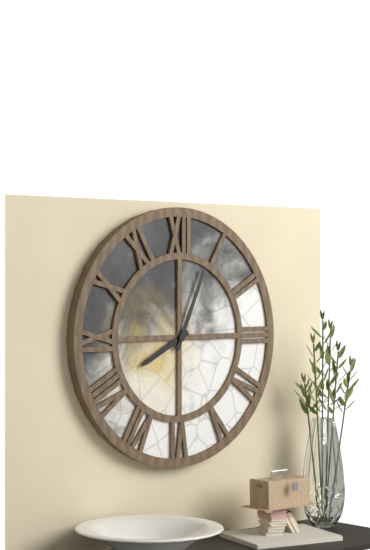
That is h=8 m=4
